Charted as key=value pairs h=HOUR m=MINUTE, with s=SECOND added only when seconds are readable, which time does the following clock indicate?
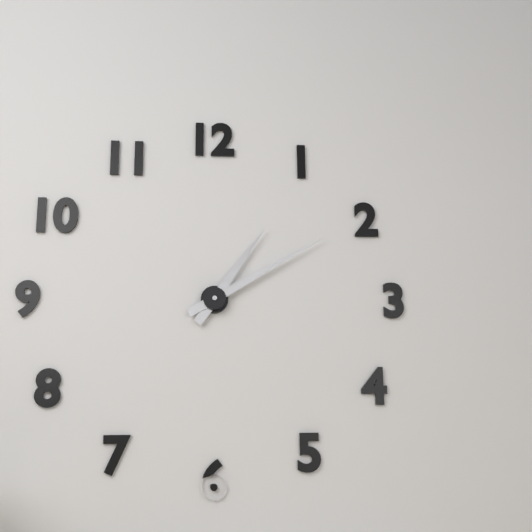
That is h=1 m=10
